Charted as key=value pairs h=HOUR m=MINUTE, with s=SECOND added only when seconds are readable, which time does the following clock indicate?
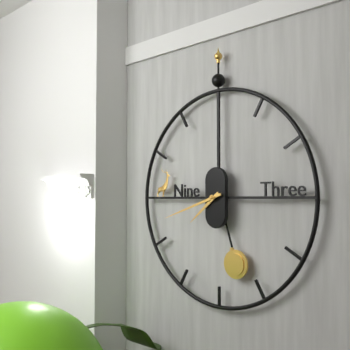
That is h=7 m=42
